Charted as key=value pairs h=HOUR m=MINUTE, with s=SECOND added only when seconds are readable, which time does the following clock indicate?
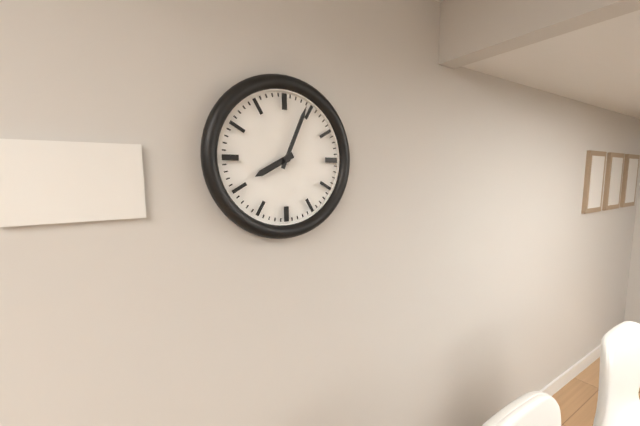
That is h=8 m=4
